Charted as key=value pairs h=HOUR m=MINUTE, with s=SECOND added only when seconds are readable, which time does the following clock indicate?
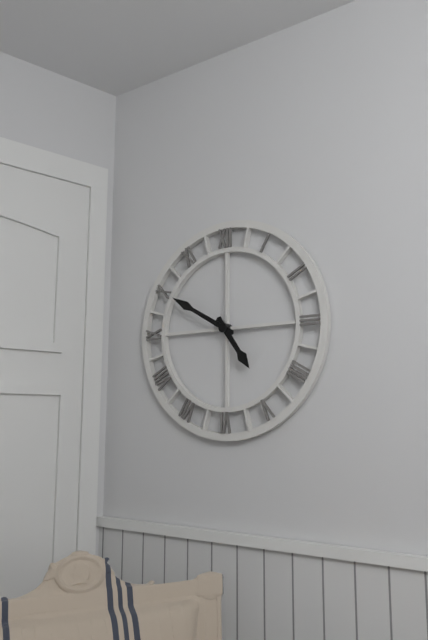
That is h=4 m=50
